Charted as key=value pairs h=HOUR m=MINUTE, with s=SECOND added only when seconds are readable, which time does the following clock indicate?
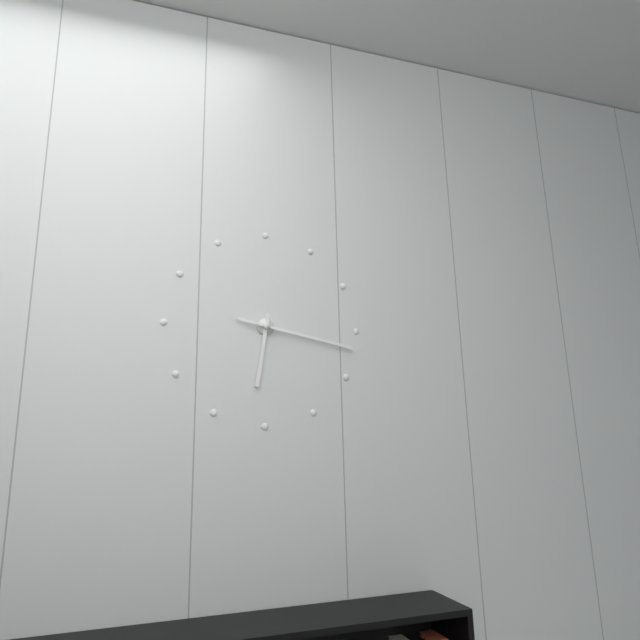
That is h=6 m=17
